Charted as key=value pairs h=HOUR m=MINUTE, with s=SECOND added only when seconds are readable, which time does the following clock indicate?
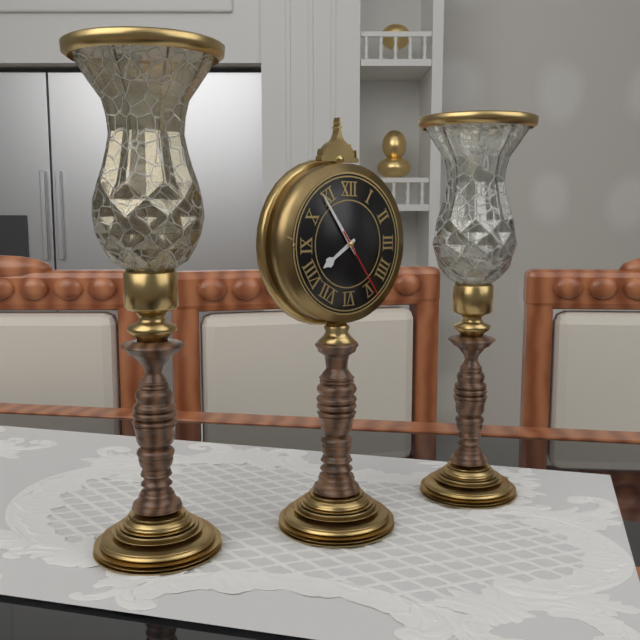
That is h=7 m=54 s=24
